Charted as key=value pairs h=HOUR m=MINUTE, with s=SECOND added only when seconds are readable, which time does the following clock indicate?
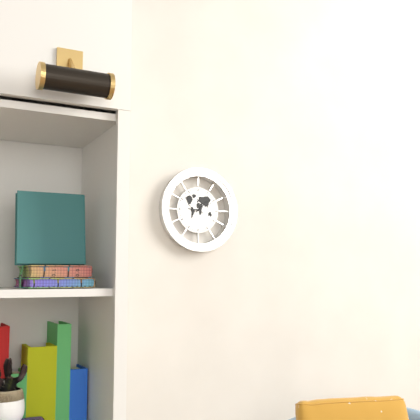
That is h=9 m=8
